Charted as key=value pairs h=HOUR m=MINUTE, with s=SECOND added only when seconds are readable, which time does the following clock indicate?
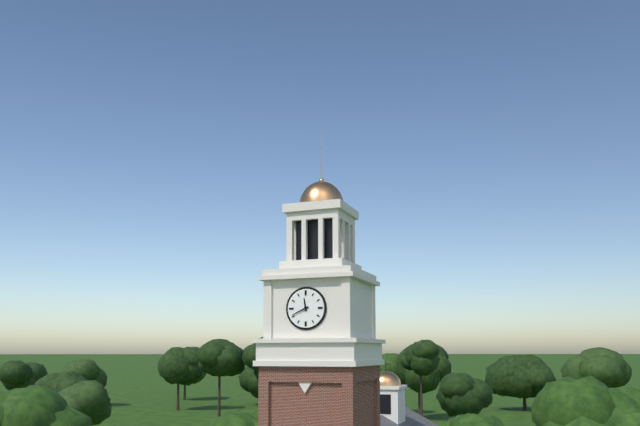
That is h=11 m=41
